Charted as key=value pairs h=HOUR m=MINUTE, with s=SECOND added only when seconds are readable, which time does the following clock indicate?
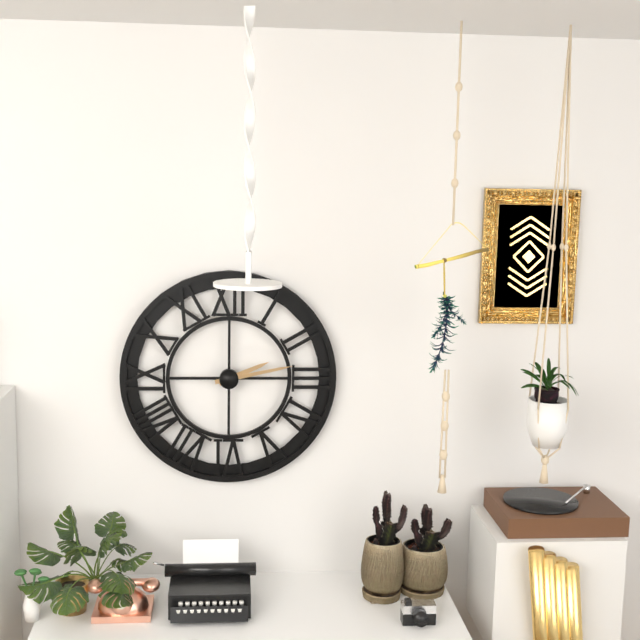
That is h=2 m=13
